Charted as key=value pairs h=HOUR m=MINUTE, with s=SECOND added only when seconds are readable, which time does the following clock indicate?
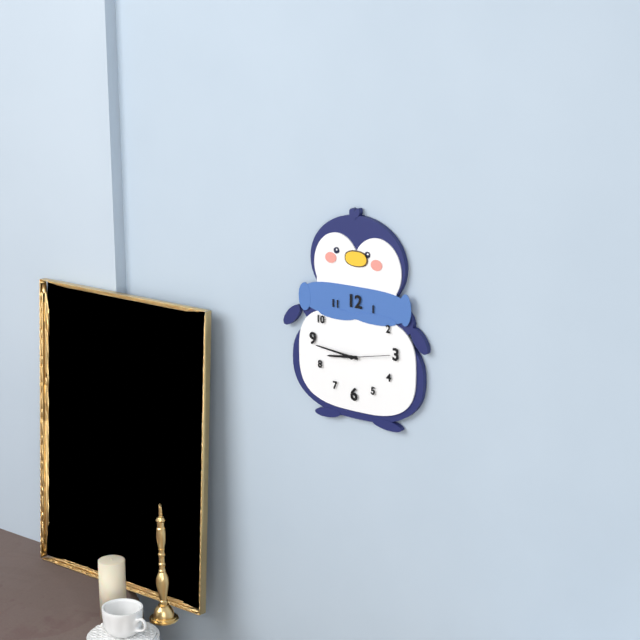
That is h=8 m=46
